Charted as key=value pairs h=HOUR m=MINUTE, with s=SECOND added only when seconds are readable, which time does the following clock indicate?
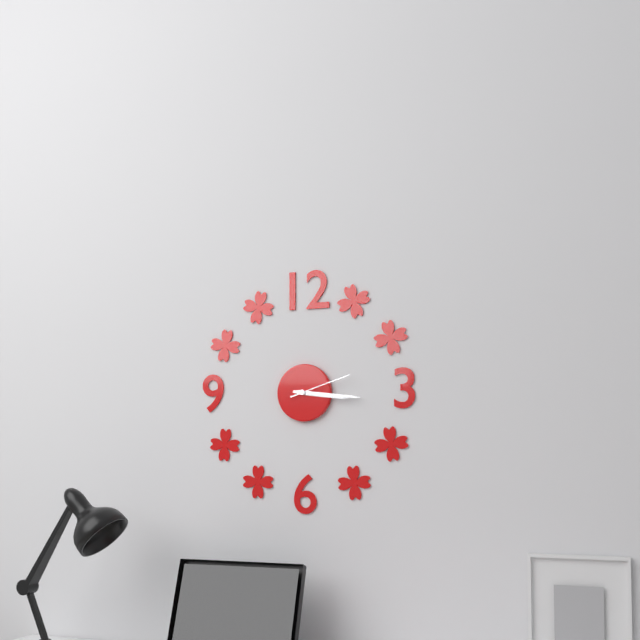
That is h=3 m=16 s=12
